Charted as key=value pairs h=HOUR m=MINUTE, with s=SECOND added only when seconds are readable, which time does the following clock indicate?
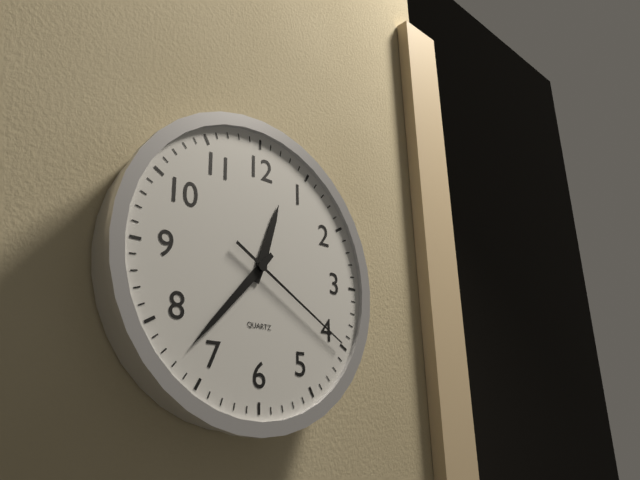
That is h=12 m=37 s=20
